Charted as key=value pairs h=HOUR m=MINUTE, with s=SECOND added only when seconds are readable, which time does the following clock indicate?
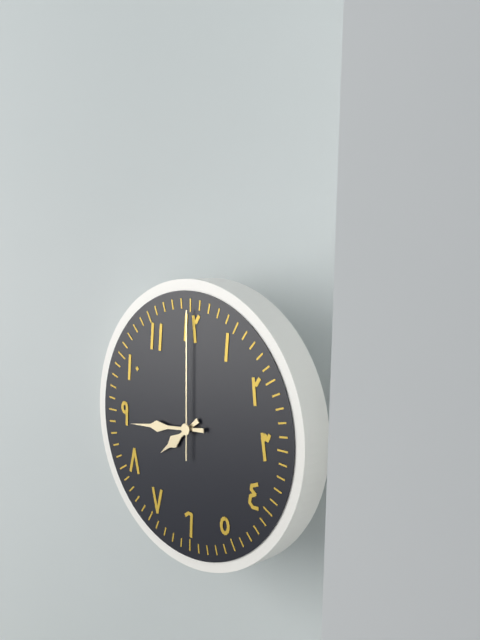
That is h=7 m=44 s=0
